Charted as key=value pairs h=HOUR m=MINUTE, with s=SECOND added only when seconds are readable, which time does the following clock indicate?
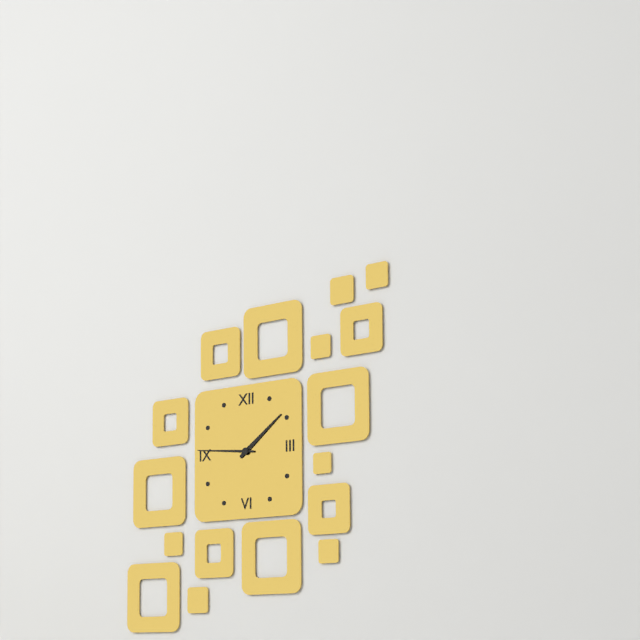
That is h=1 m=46
